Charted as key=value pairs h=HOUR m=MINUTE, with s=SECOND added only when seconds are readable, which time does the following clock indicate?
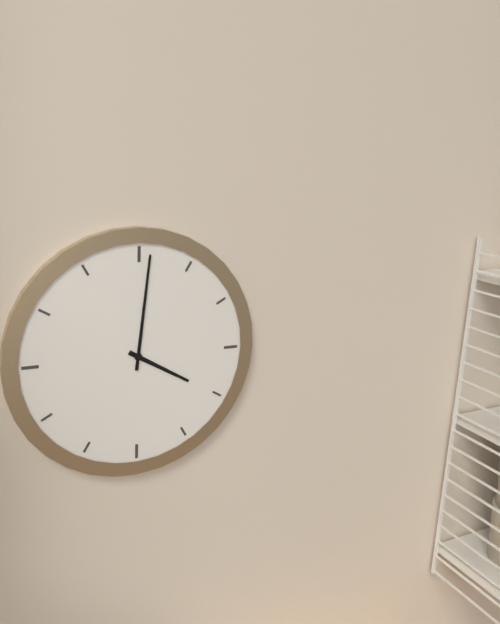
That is h=4 m=1
